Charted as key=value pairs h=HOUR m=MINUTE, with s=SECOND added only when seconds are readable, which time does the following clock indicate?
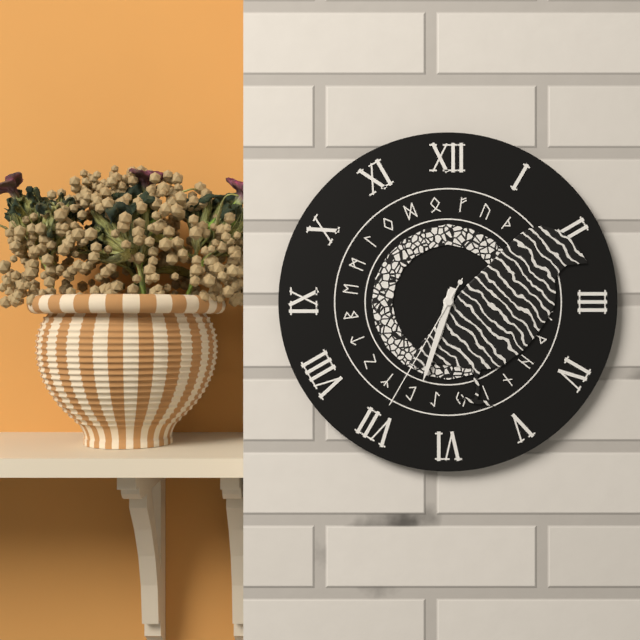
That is h=6 m=33 s=35
